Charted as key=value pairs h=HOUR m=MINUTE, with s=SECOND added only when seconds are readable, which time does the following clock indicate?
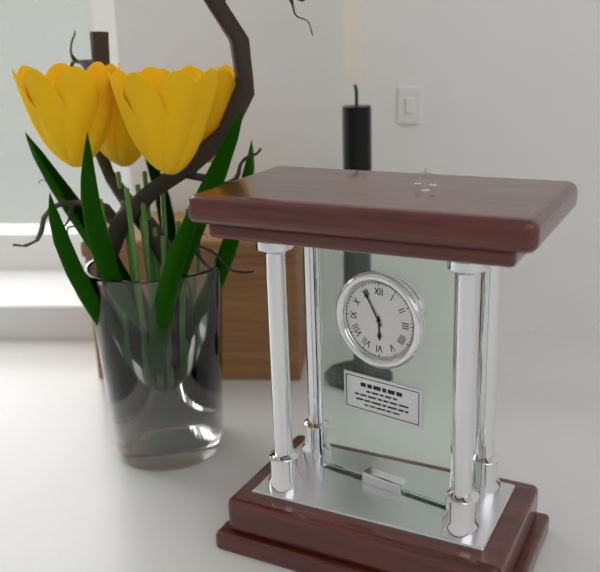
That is h=5 m=55
